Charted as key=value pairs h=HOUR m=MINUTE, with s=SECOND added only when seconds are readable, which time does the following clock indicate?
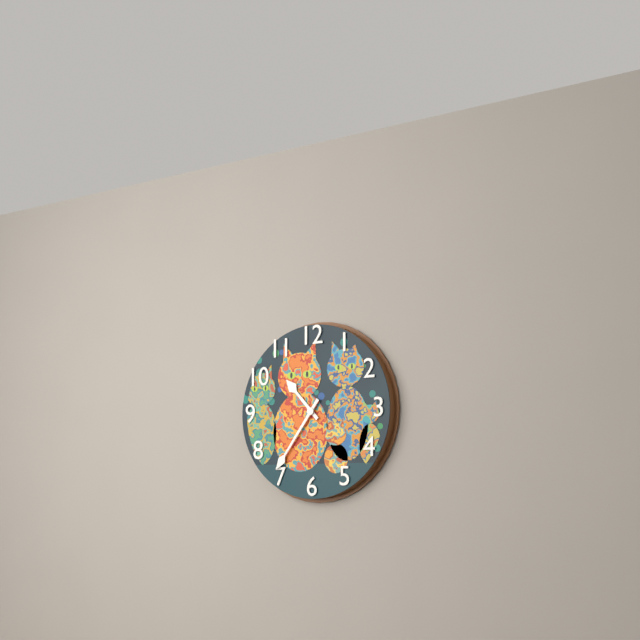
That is h=10 m=36
